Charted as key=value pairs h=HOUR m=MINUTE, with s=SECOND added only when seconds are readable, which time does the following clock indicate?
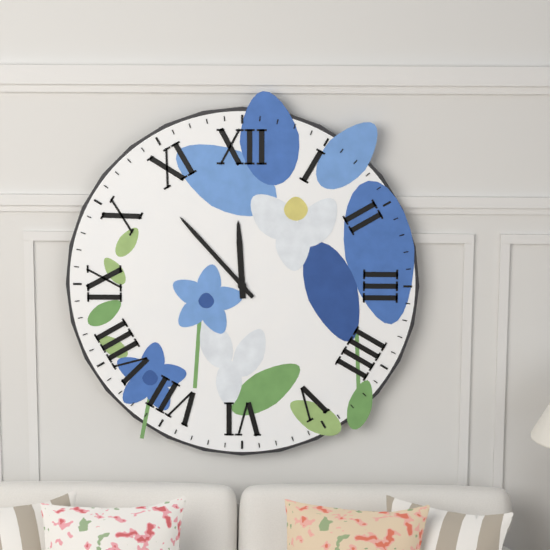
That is h=11 m=53
